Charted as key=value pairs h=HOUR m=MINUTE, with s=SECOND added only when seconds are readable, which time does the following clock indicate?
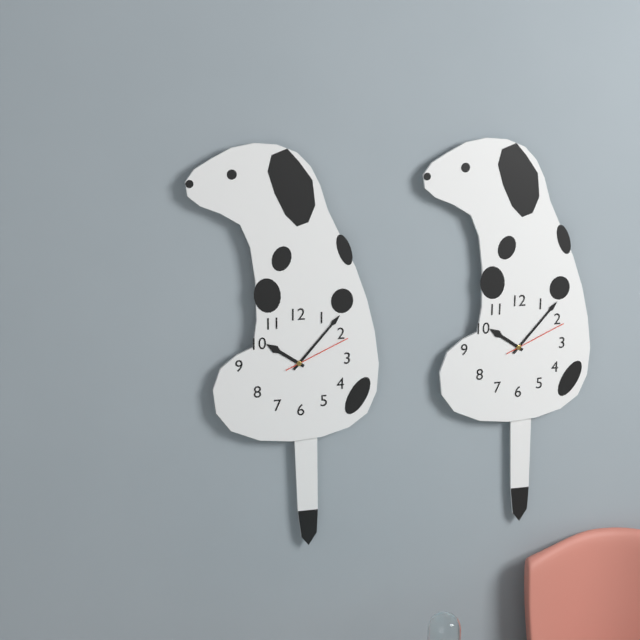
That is h=10 m=7 s=11
